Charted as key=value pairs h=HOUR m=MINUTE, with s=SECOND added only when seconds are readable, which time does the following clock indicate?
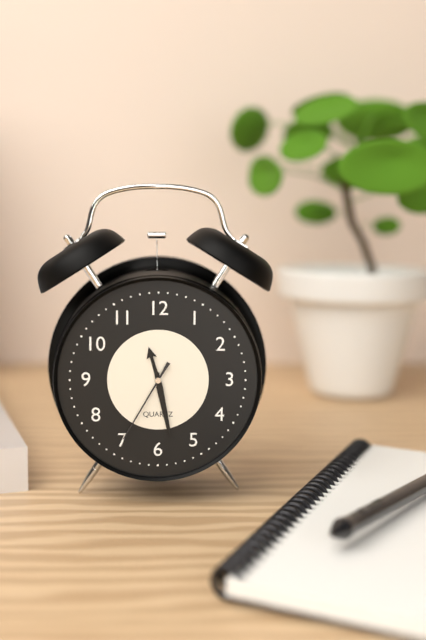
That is h=11 m=28 s=35
